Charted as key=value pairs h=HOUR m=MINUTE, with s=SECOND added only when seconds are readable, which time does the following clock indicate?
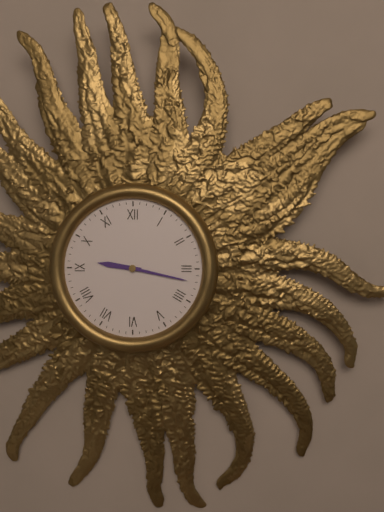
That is h=9 m=17
